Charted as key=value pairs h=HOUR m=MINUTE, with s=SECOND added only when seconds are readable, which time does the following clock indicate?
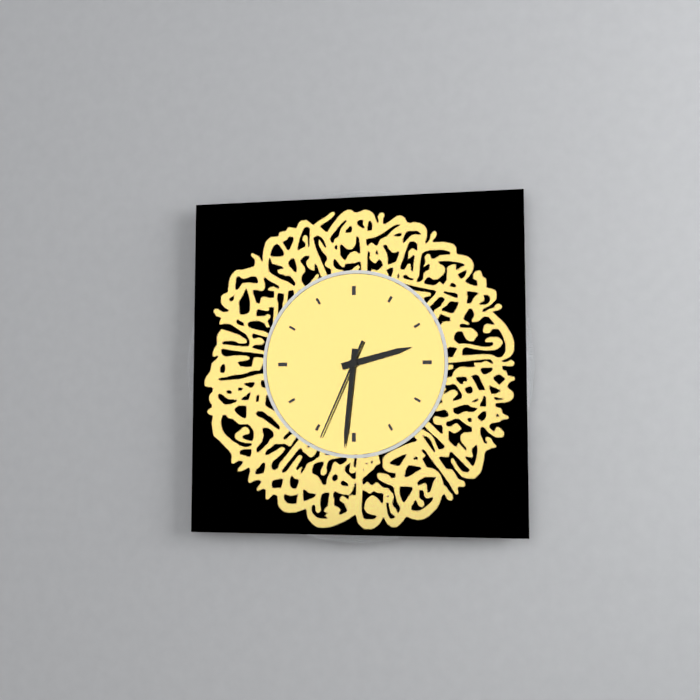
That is h=2 m=31 s=34
